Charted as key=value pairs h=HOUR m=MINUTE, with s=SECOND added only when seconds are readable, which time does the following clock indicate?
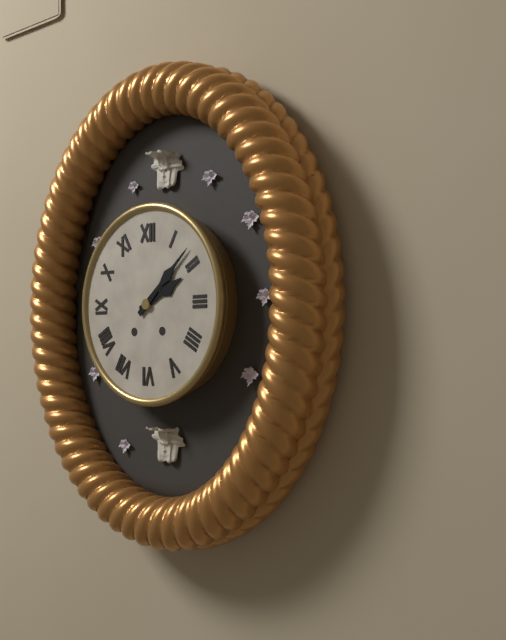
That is h=2 m=8
